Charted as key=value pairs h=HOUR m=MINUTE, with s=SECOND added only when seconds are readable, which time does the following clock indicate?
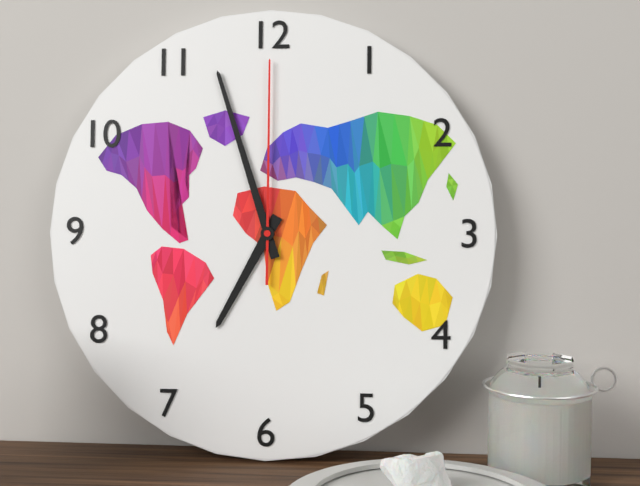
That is h=6 m=57 s=0
